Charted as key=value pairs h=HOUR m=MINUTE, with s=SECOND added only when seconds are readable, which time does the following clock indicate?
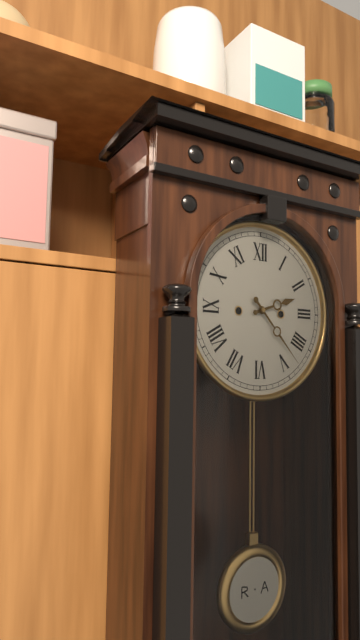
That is h=2 m=23
